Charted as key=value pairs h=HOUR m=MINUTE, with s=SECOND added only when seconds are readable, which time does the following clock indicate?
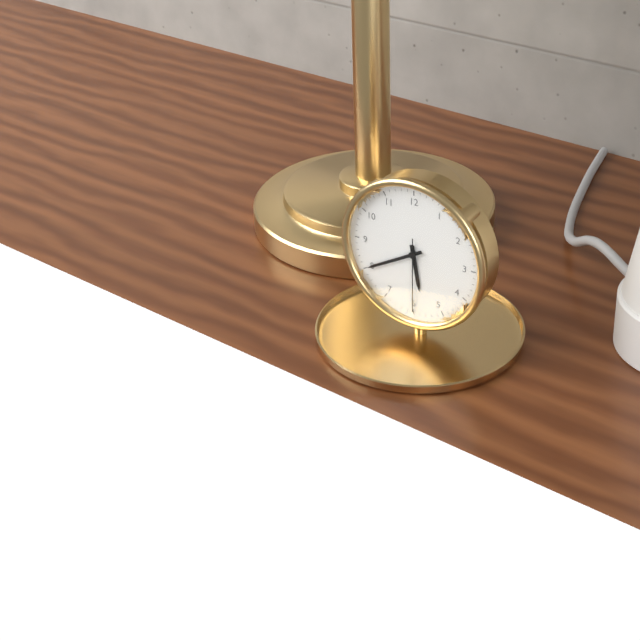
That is h=5 m=40 s=30
